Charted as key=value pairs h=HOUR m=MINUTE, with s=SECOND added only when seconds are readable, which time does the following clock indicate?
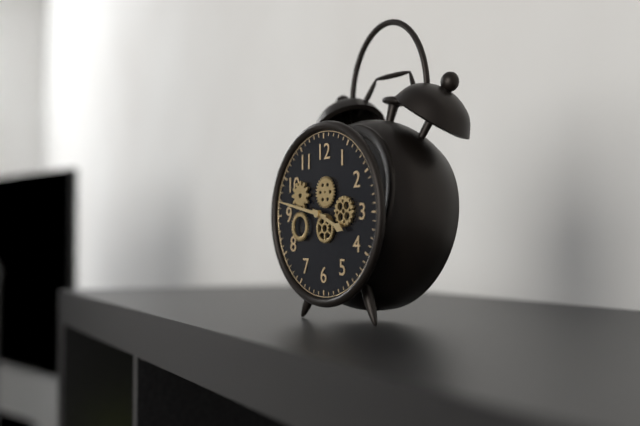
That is h=3 m=47
